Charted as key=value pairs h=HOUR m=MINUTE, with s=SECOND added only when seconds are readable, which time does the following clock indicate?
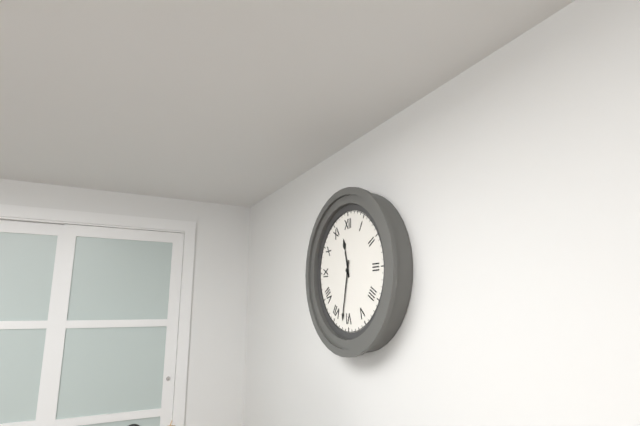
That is h=11 m=32
